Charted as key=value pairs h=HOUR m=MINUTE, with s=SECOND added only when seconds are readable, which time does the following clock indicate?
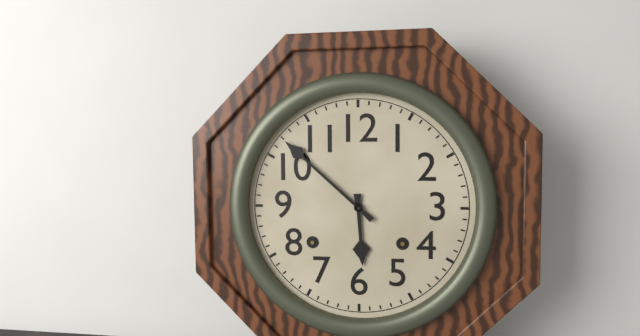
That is h=5 m=52
